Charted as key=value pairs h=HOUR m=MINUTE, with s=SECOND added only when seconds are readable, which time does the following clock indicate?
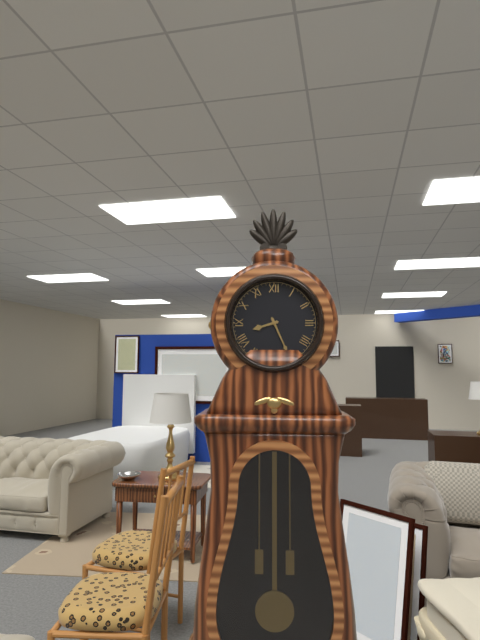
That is h=8 m=26
